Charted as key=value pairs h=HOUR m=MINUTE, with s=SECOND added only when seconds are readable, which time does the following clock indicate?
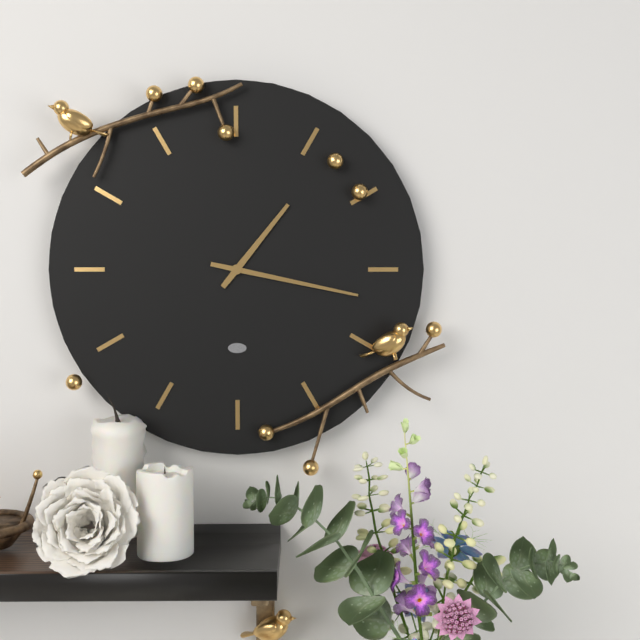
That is h=1 m=17
